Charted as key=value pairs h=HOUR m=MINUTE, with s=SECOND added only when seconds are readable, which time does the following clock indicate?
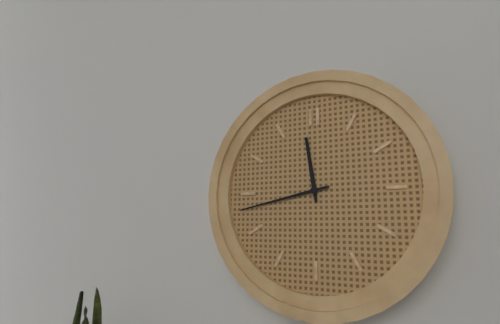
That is h=11 m=43
